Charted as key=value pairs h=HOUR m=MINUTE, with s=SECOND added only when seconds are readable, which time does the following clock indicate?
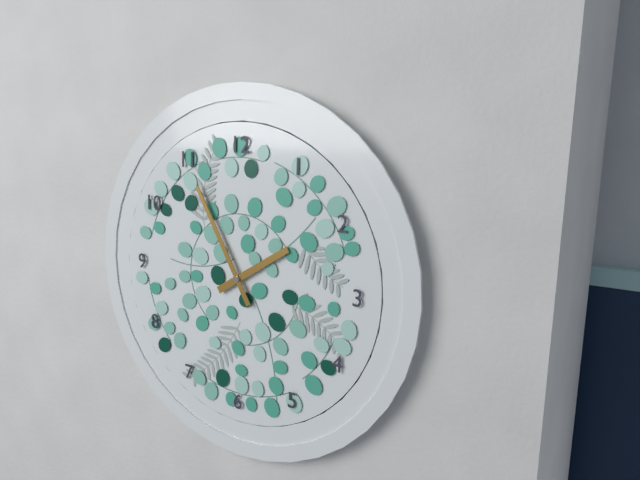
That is h=1 m=55
